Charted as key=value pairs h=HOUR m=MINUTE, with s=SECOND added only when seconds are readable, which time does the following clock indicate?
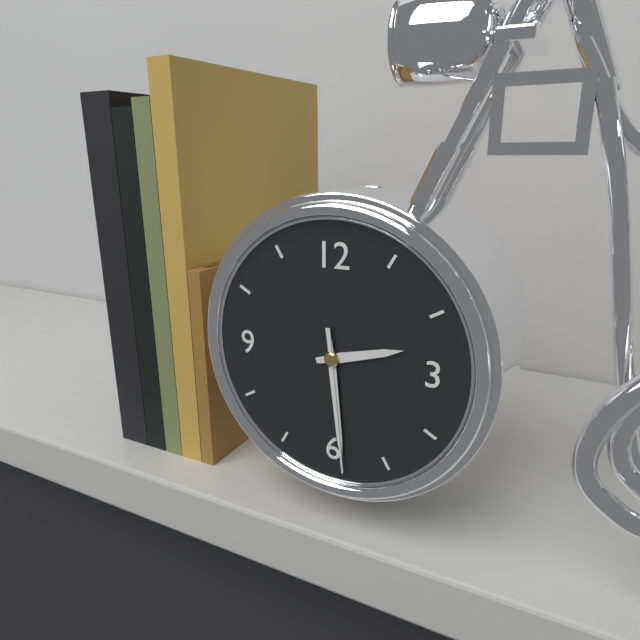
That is h=2 m=29 s=29
